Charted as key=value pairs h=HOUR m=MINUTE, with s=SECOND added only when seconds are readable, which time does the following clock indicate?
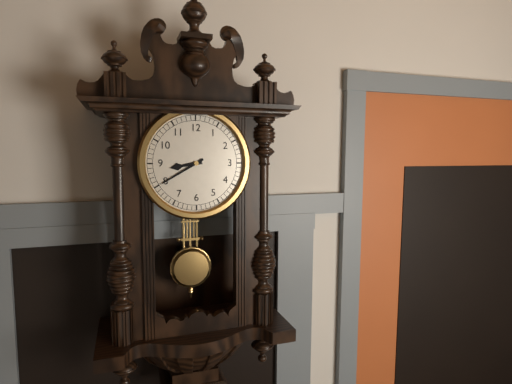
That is h=8 m=40
